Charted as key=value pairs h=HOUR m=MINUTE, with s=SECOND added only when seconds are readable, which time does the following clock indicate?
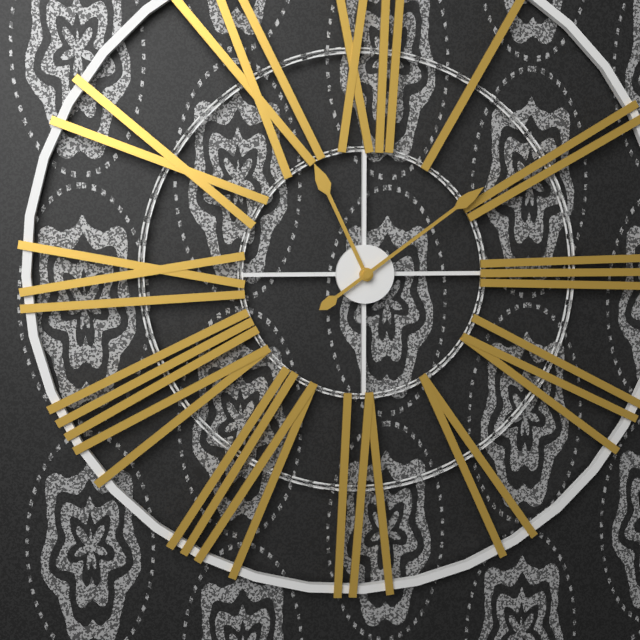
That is h=11 m=9
